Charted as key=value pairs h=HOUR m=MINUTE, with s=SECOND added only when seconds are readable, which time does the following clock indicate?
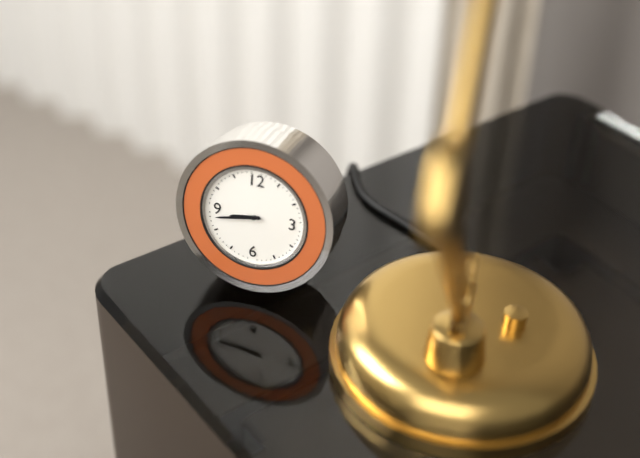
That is h=8 m=43
